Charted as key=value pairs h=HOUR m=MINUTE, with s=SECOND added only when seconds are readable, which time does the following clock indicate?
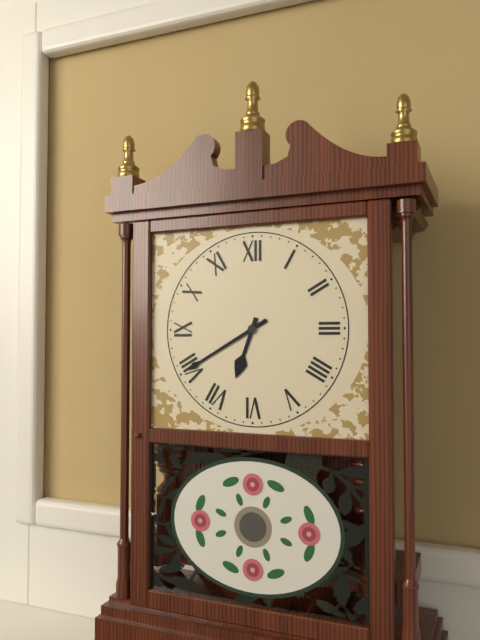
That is h=6 m=40
